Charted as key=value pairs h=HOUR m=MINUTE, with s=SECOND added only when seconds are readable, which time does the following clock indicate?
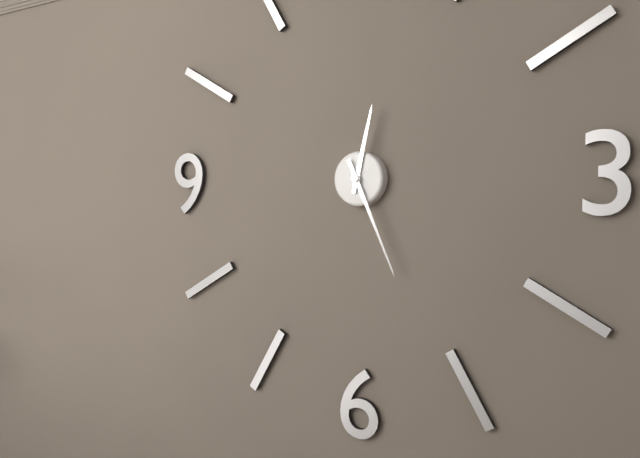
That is h=12 m=26
